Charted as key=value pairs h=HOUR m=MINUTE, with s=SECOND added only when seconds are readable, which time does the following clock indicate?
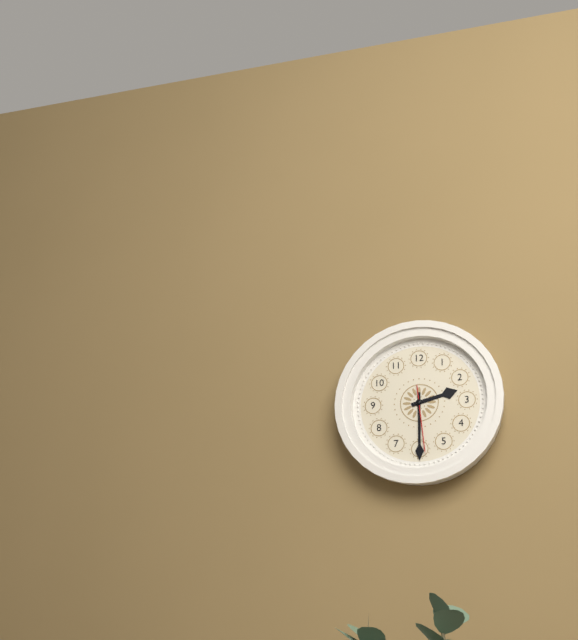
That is h=2 m=30 s=29
